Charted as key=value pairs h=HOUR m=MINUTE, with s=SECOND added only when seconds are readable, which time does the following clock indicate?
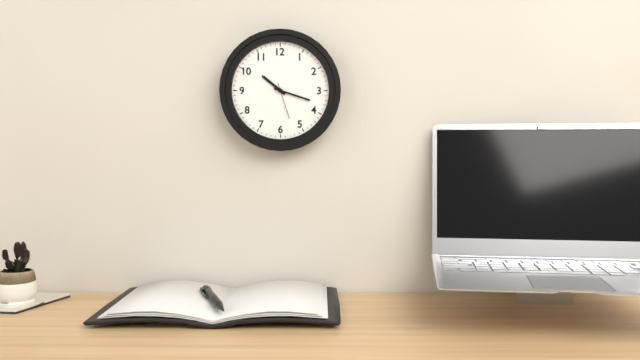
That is h=10 m=18
